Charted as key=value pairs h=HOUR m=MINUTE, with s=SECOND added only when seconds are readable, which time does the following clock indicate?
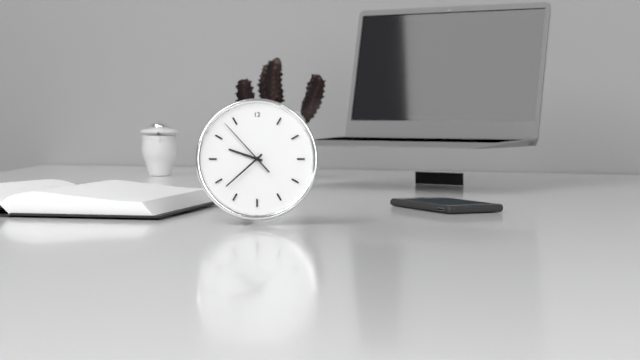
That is h=9 m=38 s=53
